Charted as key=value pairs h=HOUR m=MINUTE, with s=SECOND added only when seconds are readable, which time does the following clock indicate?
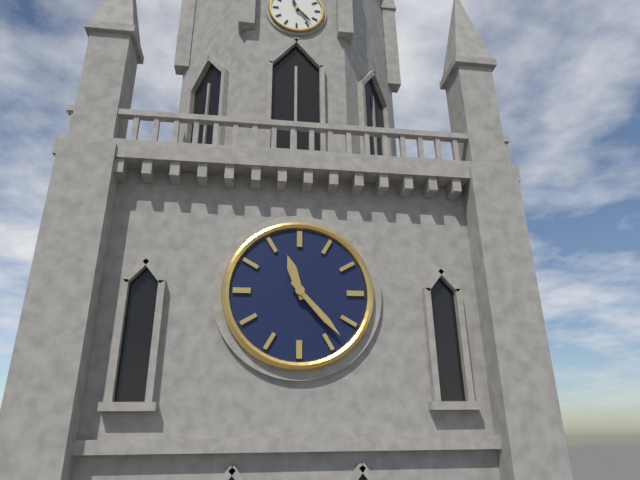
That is h=11 m=23
